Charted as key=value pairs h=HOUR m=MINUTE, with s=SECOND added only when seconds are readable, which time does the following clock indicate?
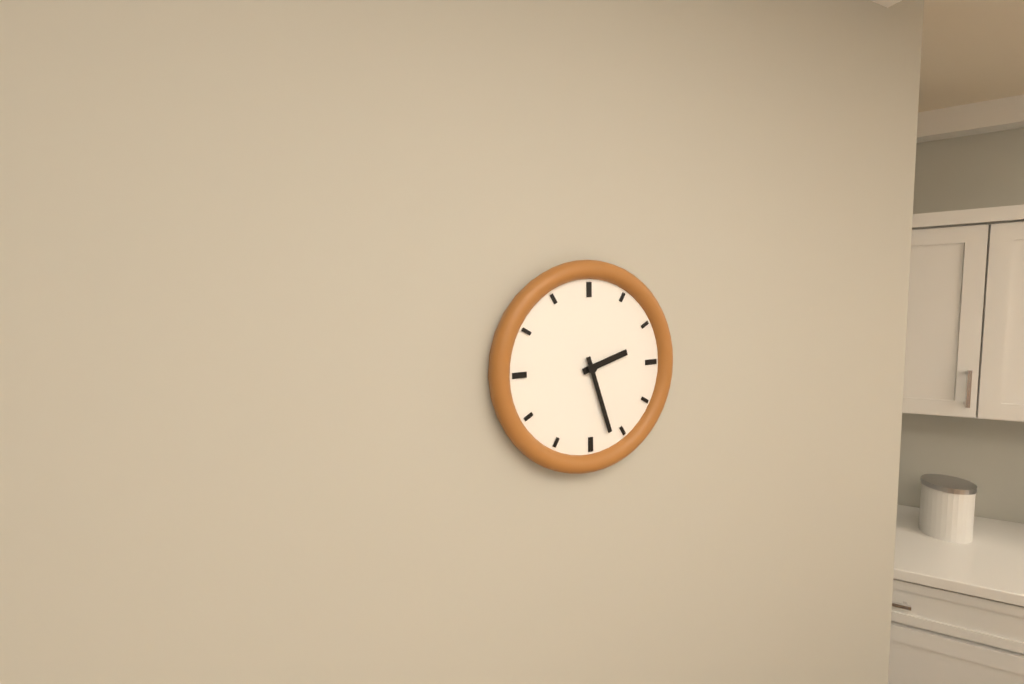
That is h=2 m=27
